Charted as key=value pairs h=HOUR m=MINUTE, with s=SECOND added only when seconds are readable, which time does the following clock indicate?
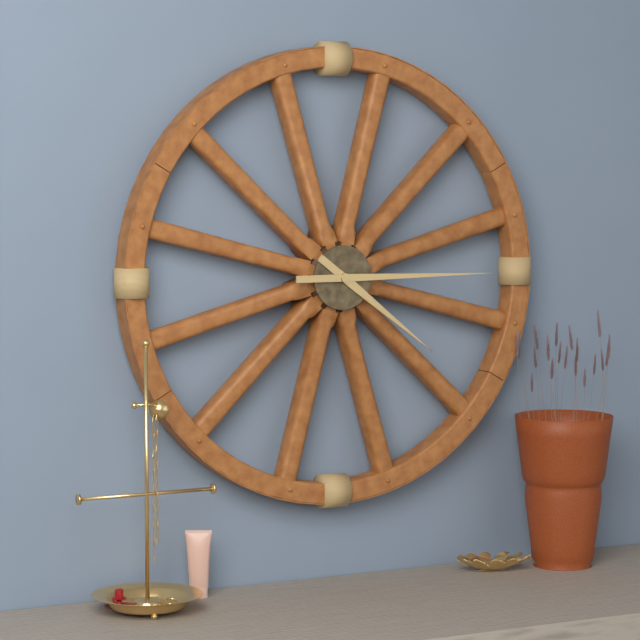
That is h=4 m=15
